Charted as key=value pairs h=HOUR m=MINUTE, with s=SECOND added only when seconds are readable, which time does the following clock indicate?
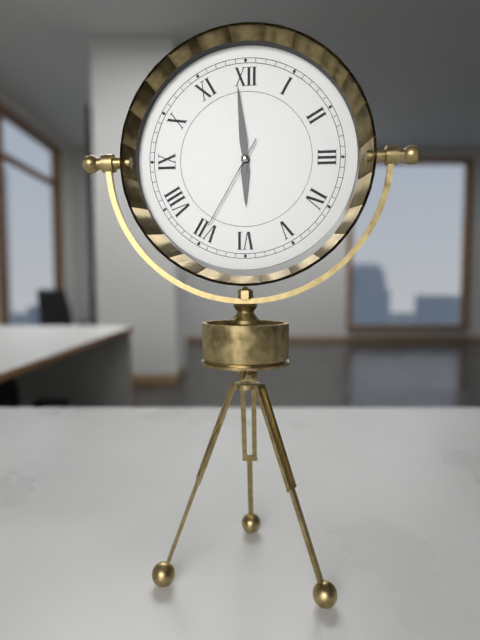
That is h=5 m=59 s=35
